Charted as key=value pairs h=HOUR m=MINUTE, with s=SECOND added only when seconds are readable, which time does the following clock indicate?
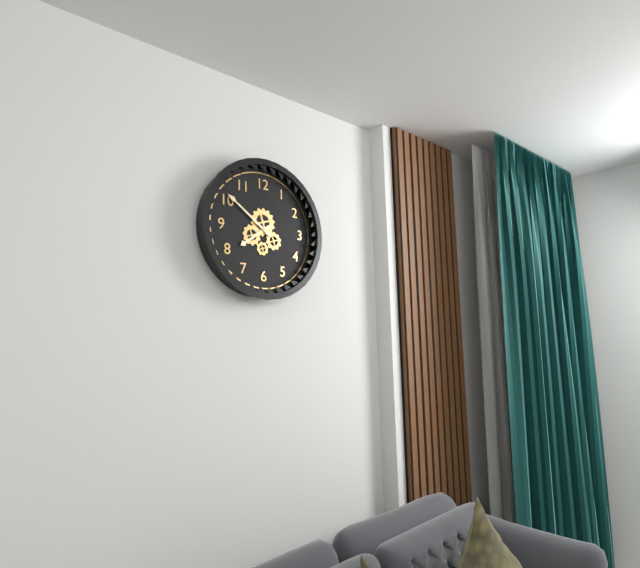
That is h=7 m=51
